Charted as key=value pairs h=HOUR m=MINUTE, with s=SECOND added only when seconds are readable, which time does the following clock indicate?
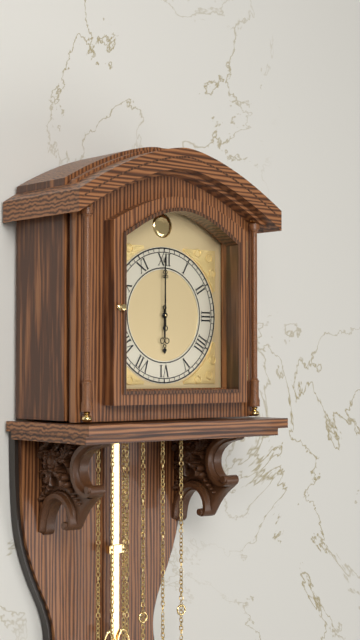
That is h=6 m=0
